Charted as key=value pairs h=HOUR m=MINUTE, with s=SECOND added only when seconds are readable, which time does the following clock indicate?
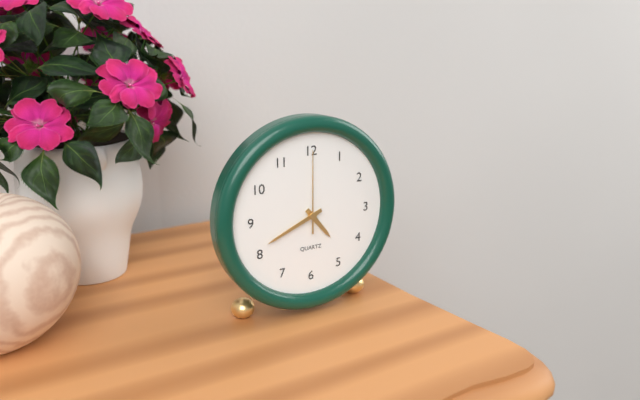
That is h=4 m=41 s=0
